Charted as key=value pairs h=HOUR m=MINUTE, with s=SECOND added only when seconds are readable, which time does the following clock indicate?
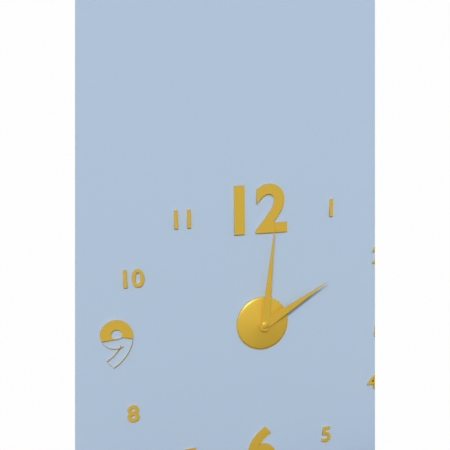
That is h=2 m=1
